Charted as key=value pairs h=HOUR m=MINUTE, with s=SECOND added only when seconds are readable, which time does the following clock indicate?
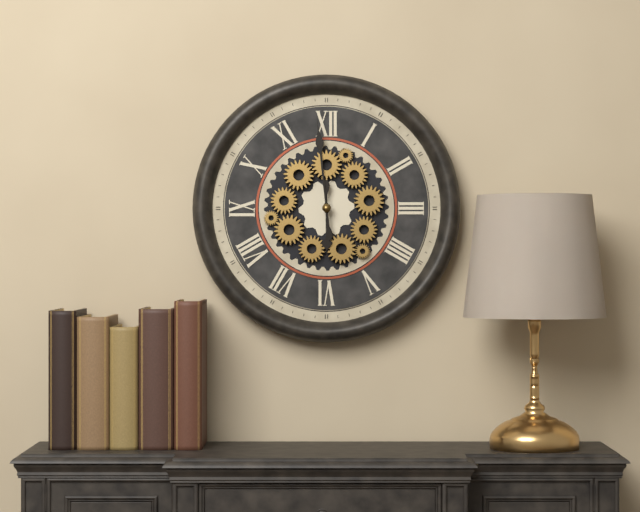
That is h=5 m=59
